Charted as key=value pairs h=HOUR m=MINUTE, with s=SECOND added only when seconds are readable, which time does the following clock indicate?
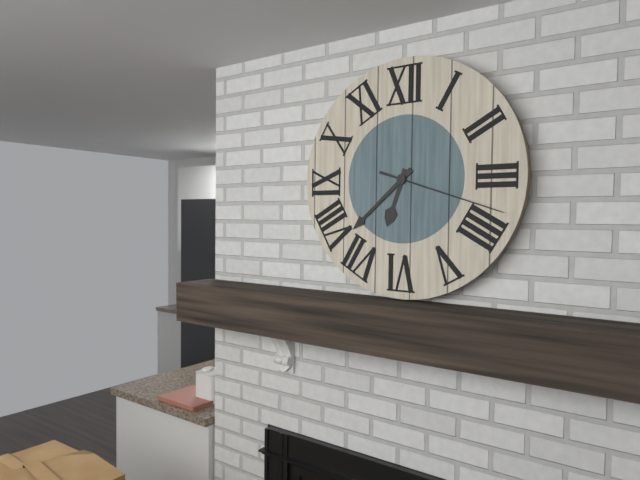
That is h=6 m=38 s=18
